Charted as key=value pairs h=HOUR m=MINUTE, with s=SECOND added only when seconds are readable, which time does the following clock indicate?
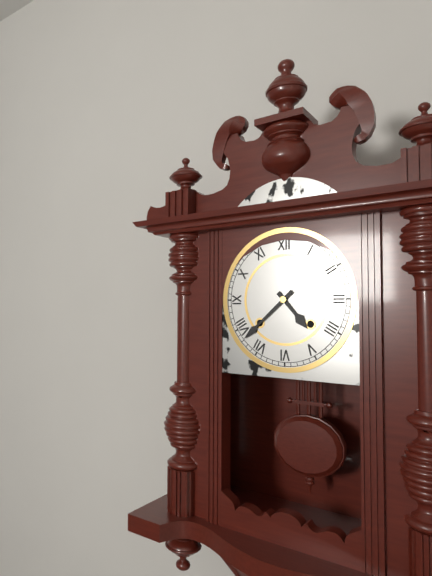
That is h=4 m=38
